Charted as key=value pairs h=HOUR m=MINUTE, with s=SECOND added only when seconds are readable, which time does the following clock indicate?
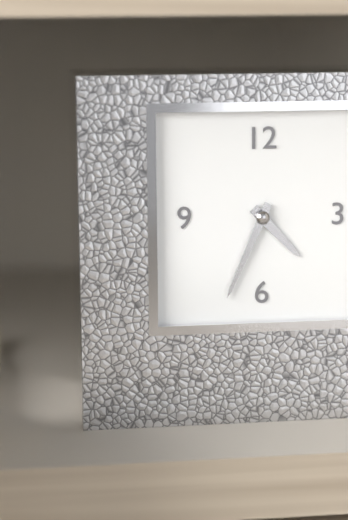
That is h=4 m=34
